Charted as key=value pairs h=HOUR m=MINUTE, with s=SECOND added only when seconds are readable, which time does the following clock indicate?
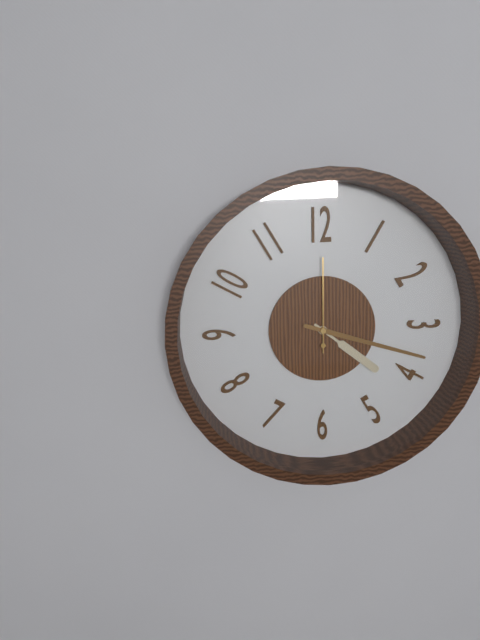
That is h=4 m=18 s=0
